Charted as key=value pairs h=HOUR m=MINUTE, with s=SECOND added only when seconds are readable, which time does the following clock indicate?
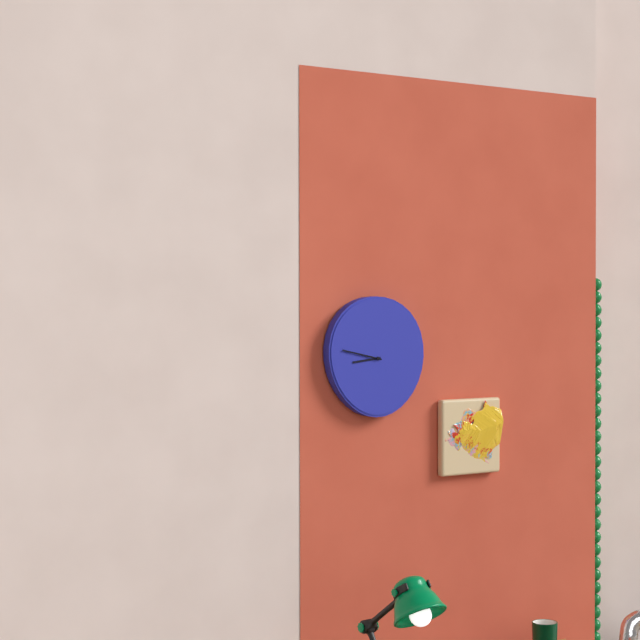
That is h=8 m=47
